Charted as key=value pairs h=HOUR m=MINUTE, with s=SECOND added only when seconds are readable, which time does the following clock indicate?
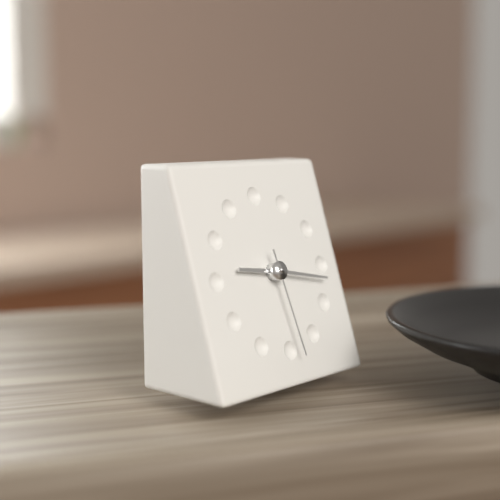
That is h=9 m=17 s=29
